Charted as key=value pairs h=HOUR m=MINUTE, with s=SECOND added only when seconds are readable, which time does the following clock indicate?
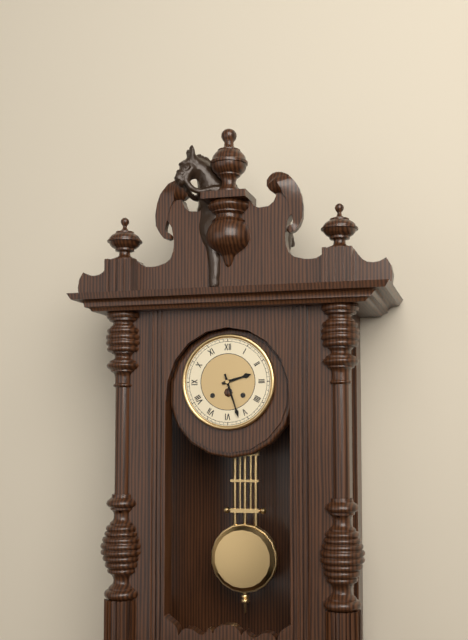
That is h=2 m=27
